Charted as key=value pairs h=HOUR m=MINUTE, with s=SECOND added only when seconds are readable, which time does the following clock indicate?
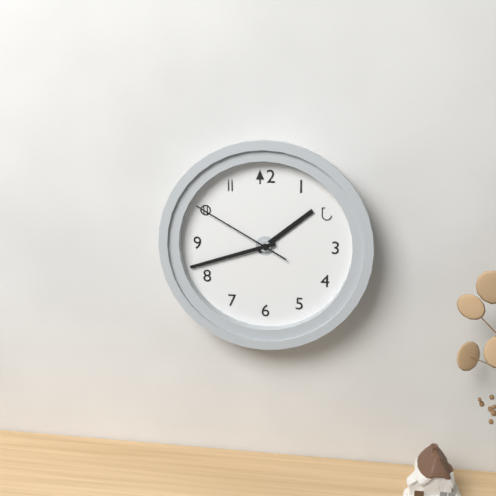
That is h=1 m=42 s=50
